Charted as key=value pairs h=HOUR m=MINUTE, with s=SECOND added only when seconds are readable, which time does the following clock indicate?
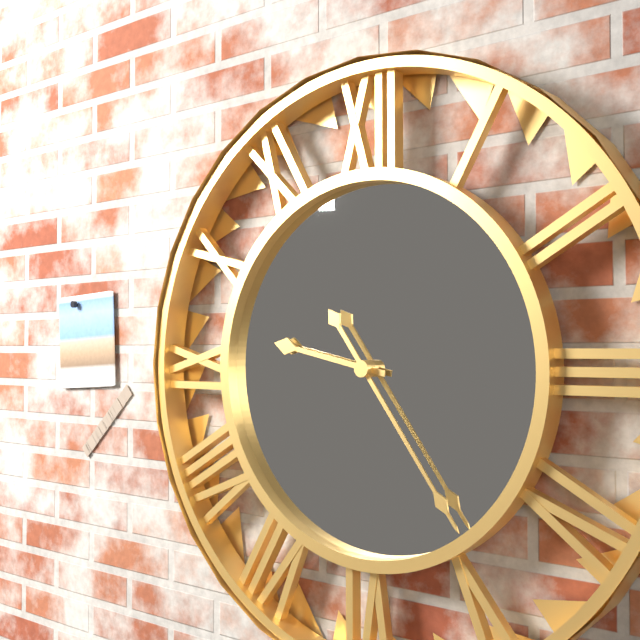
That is h=9 m=24
